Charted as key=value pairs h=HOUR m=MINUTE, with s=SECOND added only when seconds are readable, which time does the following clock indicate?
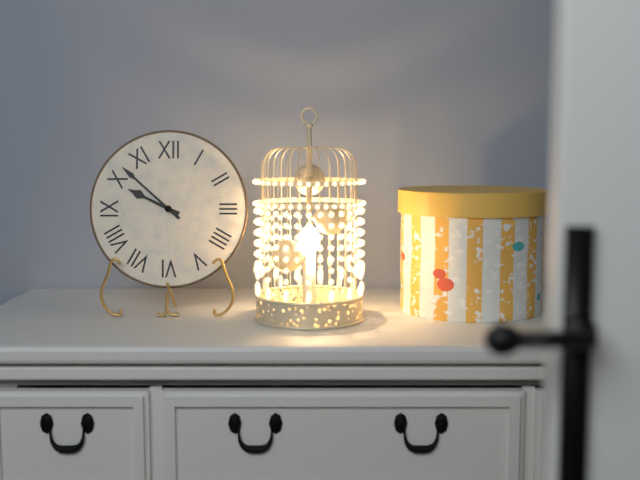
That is h=9 m=52
